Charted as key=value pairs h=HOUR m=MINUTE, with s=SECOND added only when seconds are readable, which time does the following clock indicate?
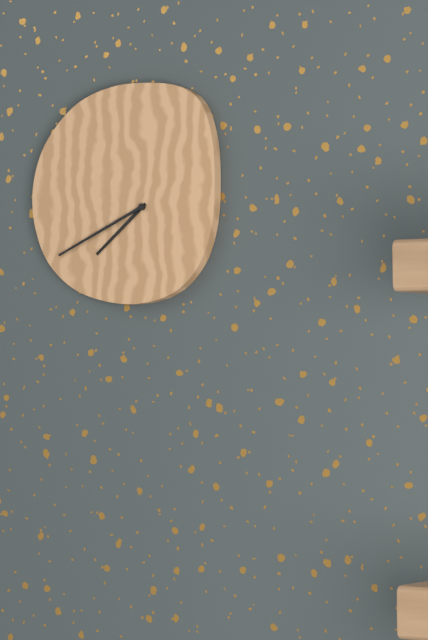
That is h=7 m=41
